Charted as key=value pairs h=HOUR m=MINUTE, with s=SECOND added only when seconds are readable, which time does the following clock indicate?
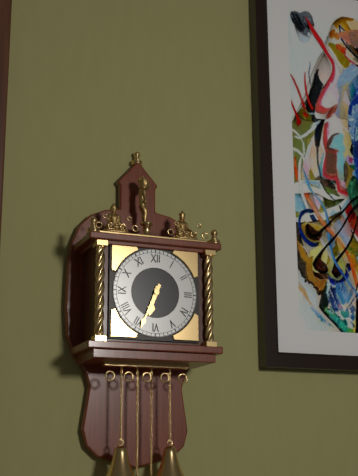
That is h=6 m=34
